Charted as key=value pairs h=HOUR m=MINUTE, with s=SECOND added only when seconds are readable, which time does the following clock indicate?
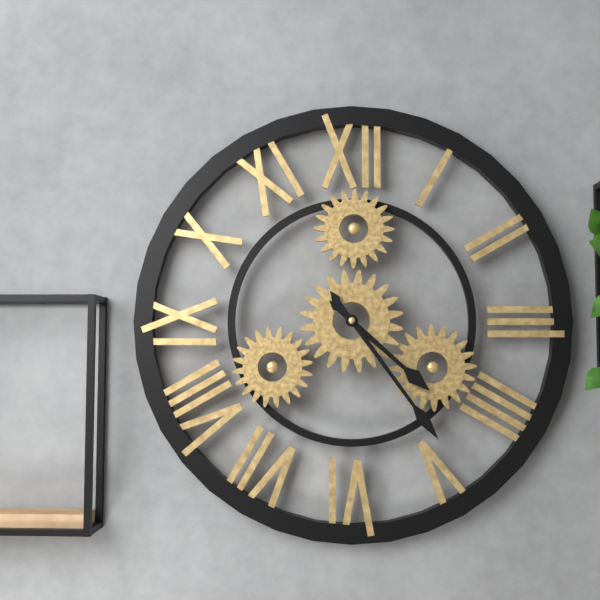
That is h=4 m=24
